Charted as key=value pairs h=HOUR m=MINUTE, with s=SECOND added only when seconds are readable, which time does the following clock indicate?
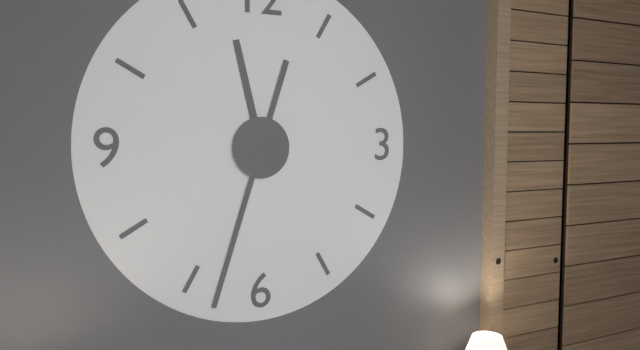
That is h=11 m=33
